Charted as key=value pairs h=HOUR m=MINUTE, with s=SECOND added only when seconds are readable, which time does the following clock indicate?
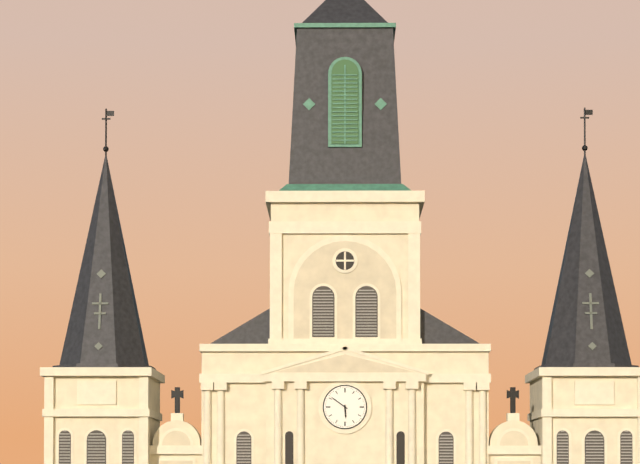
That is h=5 m=51
